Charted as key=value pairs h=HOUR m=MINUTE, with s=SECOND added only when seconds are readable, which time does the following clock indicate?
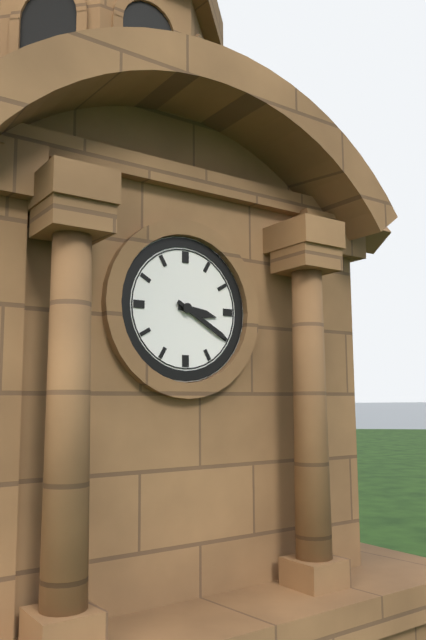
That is h=3 m=20
